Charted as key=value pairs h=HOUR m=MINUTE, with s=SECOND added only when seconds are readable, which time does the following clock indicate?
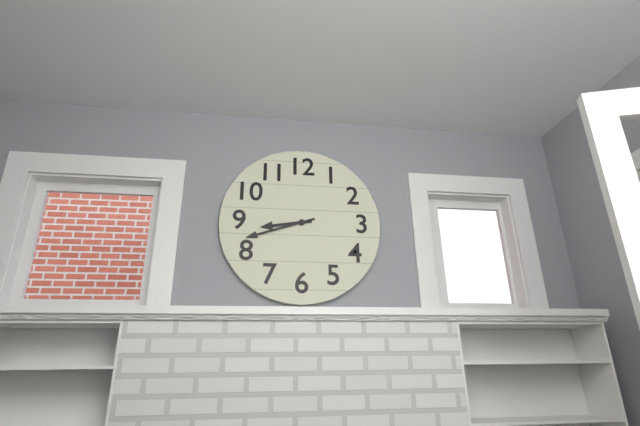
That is h=8 m=42
